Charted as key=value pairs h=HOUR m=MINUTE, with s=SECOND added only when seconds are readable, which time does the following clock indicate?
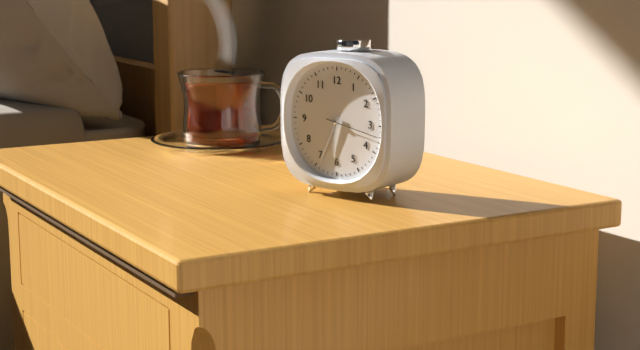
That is h=6 m=34 s=17
